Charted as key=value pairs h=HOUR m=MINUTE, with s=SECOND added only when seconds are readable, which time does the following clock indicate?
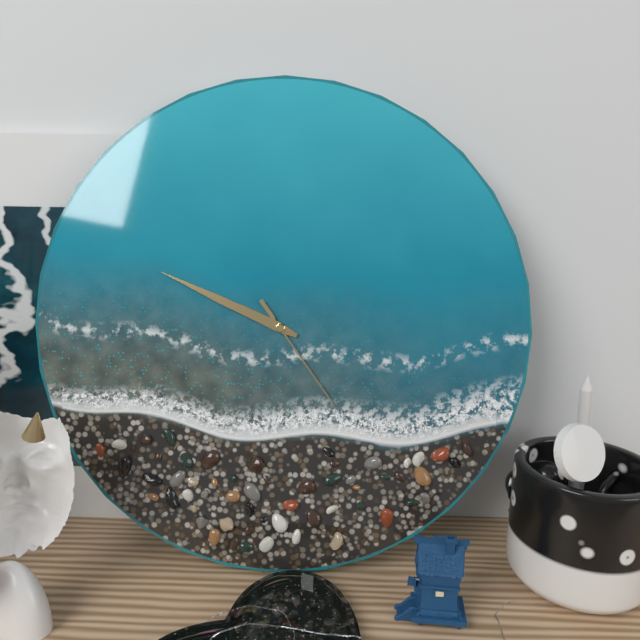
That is h=9 m=49 s=24
